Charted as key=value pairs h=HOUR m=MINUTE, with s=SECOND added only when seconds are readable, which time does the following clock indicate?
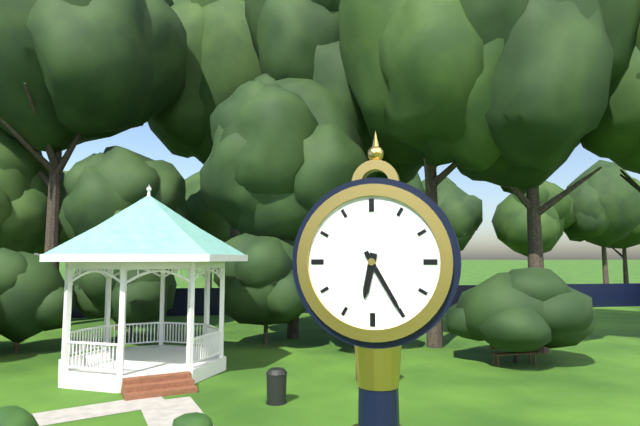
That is h=6 m=25
